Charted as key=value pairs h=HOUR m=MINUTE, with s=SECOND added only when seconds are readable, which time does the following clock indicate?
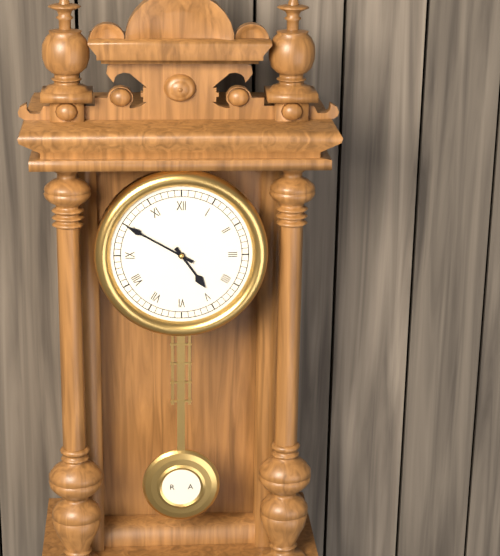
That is h=4 m=50
